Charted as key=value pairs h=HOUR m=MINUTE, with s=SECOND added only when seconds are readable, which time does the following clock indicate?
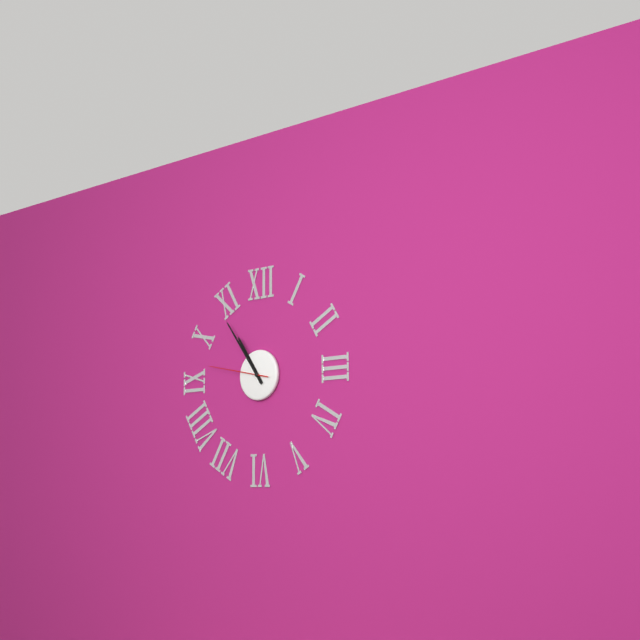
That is h=10 m=54 s=47
